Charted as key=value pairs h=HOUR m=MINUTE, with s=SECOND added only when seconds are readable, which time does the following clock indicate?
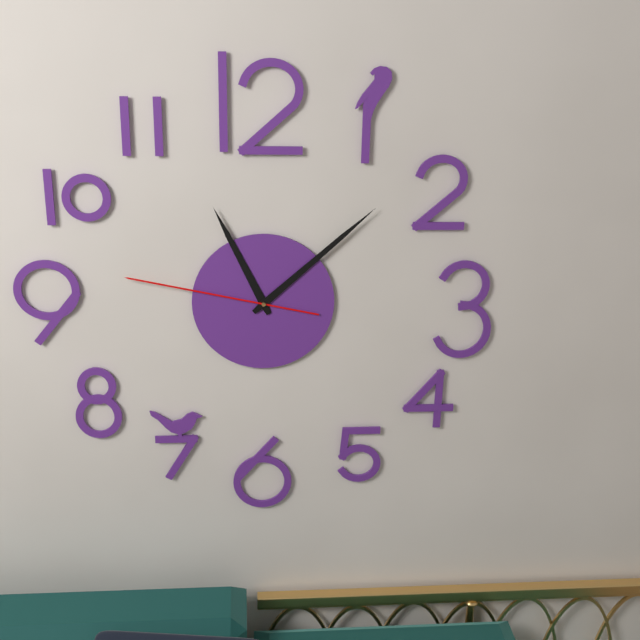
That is h=11 m=8 s=47
